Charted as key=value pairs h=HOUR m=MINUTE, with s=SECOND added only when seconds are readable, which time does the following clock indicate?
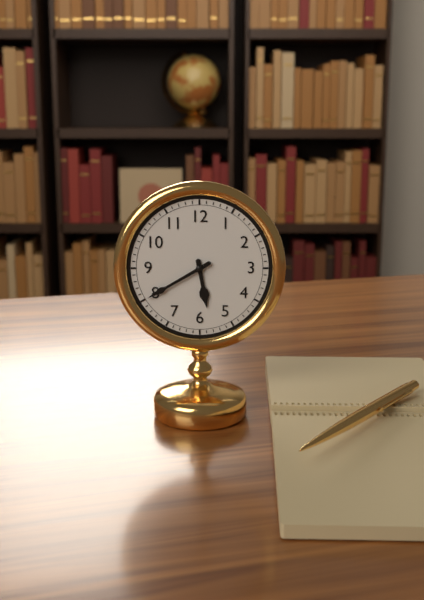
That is h=5 m=40
